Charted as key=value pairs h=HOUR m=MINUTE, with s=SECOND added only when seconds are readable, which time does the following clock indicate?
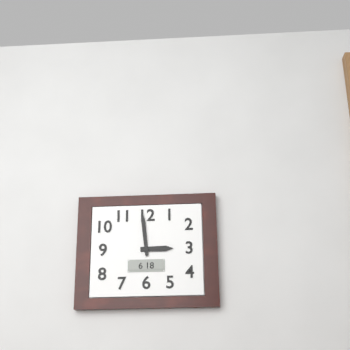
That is h=2 m=59
